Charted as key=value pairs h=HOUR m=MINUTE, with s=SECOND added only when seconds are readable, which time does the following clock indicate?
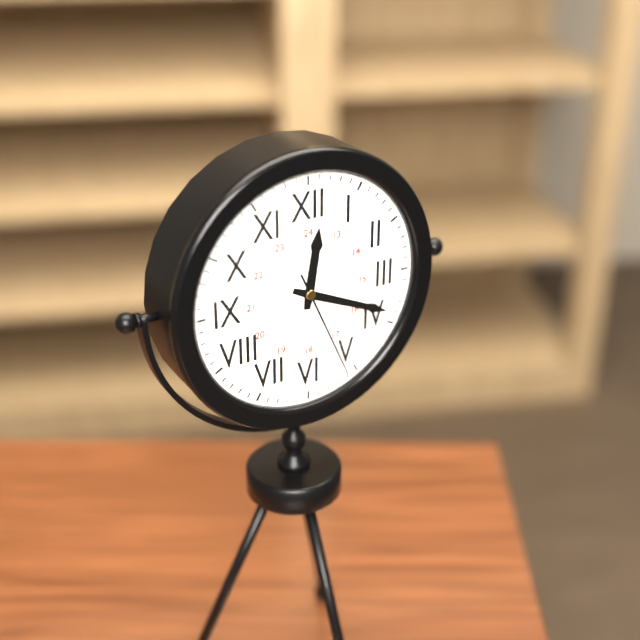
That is h=12 m=19 s=26
